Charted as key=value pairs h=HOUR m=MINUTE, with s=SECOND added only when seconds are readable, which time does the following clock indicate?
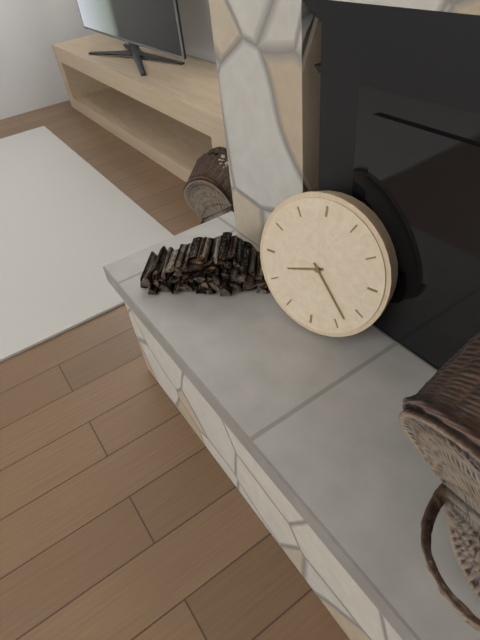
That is h=8 m=23
